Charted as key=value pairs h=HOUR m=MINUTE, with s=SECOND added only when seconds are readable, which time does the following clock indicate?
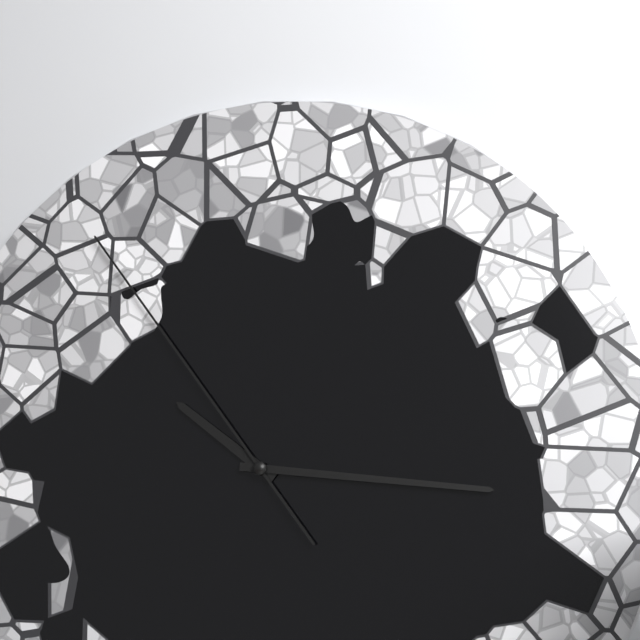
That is h=10 m=16 s=54
